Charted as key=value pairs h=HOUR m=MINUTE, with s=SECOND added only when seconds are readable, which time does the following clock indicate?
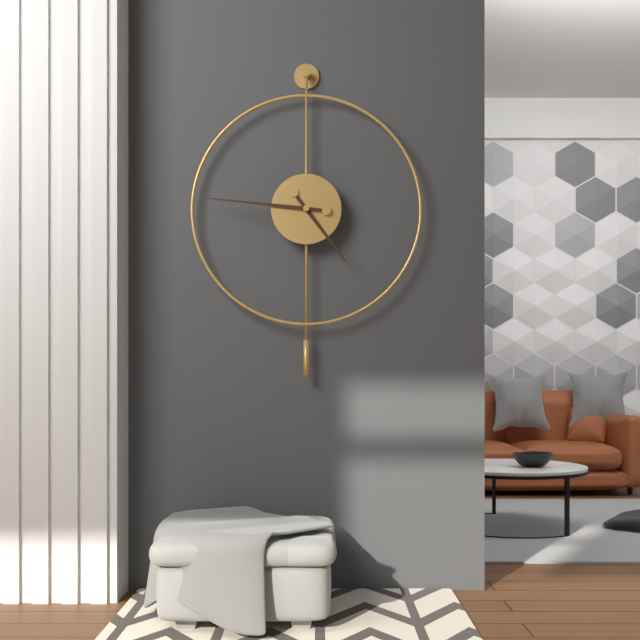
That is h=4 m=46
